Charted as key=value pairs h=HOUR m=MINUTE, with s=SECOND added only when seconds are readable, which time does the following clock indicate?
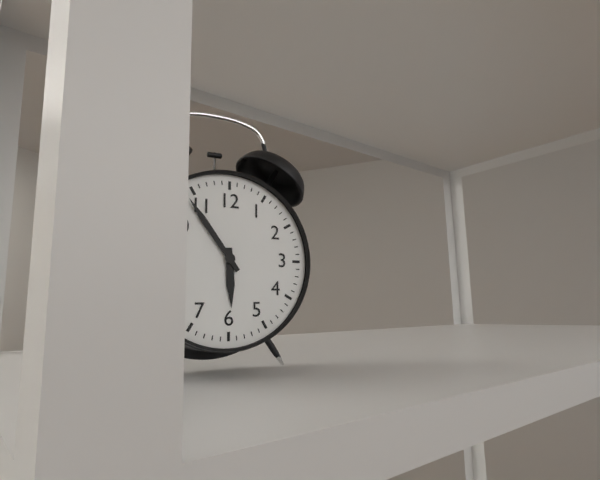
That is h=5 m=54
